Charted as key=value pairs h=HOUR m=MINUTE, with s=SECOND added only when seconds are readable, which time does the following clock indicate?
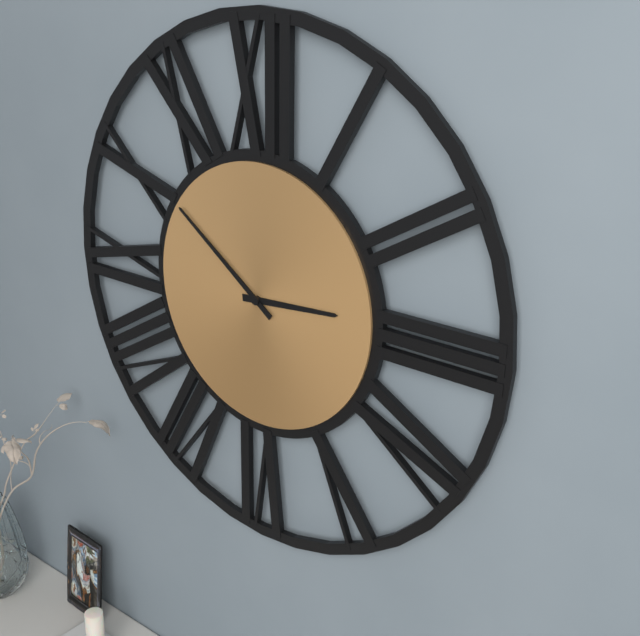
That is h=2 m=51
